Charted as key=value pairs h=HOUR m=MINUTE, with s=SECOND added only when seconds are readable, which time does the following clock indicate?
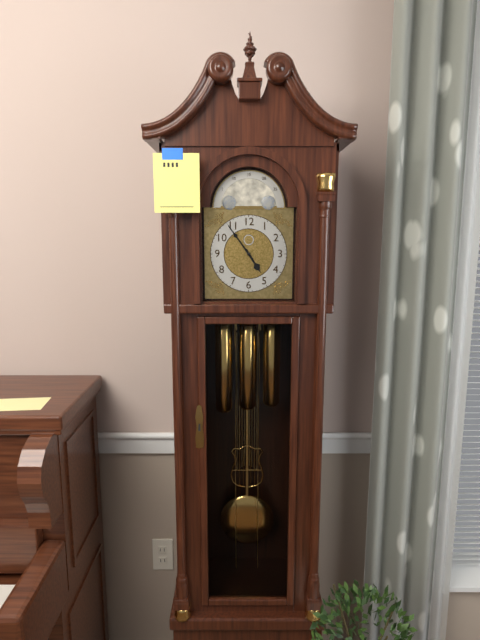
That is h=4 m=54
